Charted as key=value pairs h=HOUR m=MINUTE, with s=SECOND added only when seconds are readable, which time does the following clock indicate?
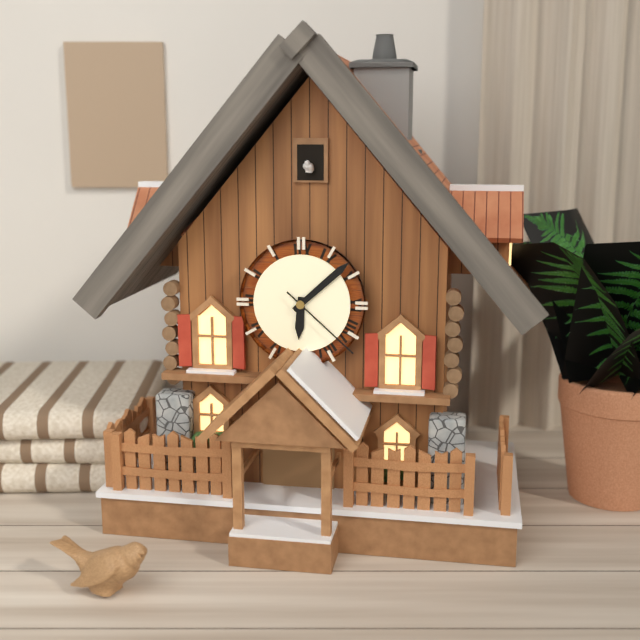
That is h=6 m=8 s=22
